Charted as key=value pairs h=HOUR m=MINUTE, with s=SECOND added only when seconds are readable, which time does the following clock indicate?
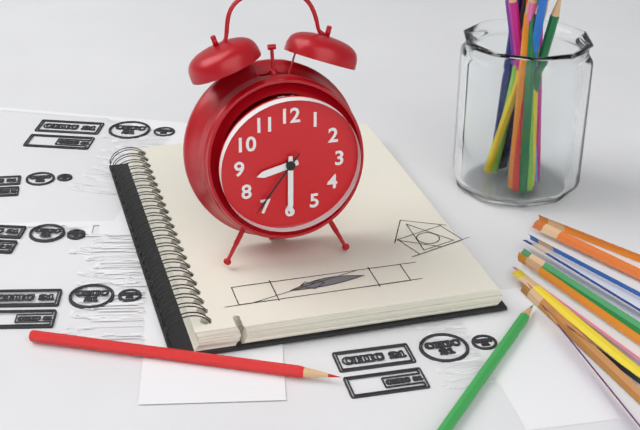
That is h=8 m=30 s=36
